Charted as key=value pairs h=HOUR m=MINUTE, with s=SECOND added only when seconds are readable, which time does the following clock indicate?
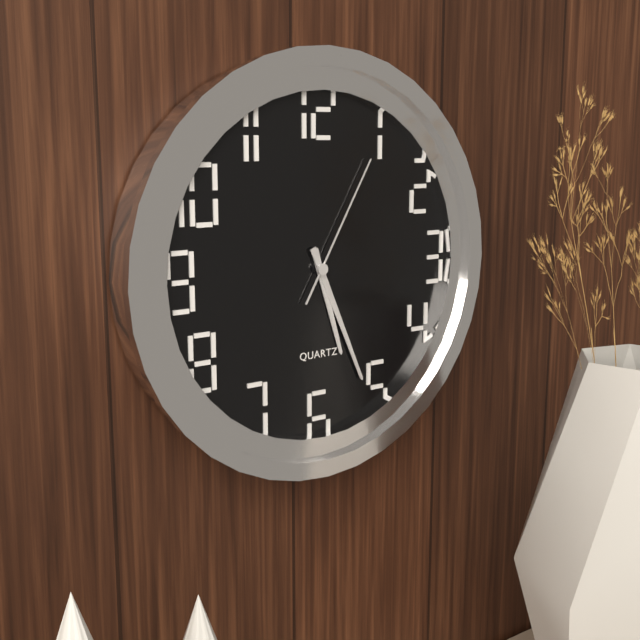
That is h=5 m=26 s=5
